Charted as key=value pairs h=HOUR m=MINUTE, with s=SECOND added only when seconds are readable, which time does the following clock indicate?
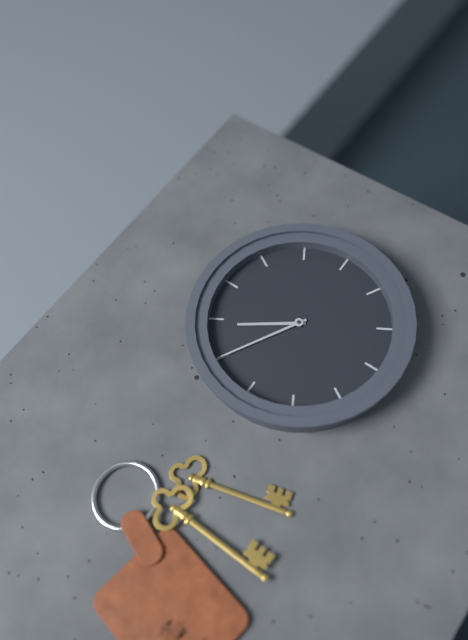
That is h=10 m=50
